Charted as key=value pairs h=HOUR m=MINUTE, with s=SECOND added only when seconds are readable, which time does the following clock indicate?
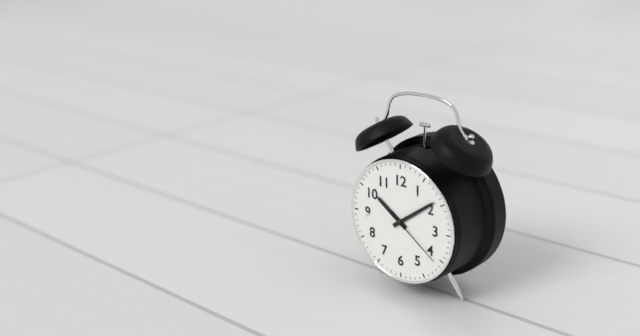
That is h=10 m=9 s=21
